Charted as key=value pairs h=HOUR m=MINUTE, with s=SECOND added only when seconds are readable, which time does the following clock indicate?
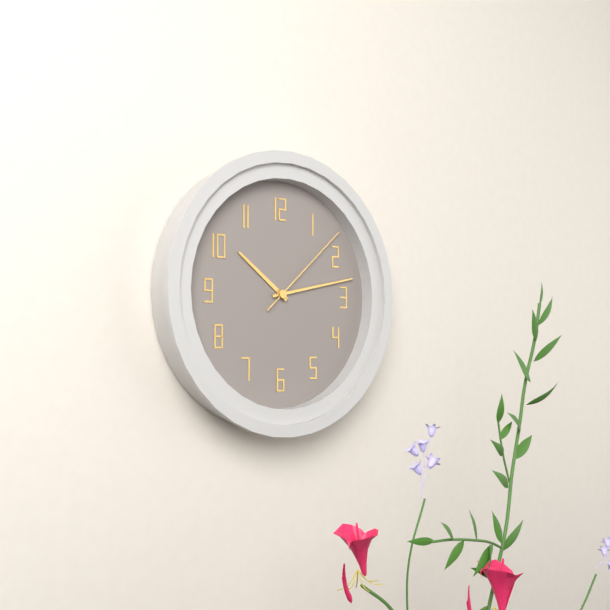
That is h=10 m=13 s=8
